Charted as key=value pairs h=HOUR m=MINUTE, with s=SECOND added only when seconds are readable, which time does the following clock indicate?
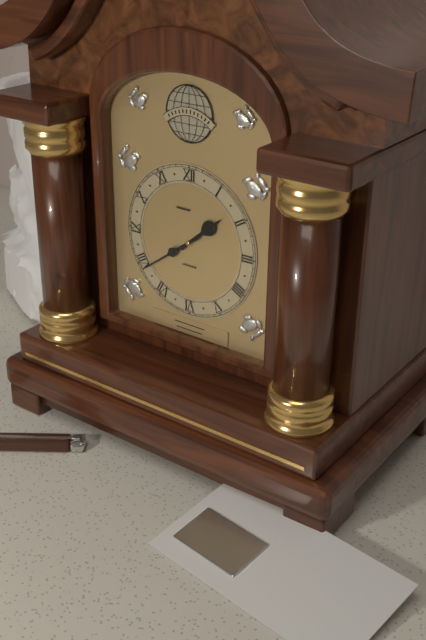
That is h=1 m=39
